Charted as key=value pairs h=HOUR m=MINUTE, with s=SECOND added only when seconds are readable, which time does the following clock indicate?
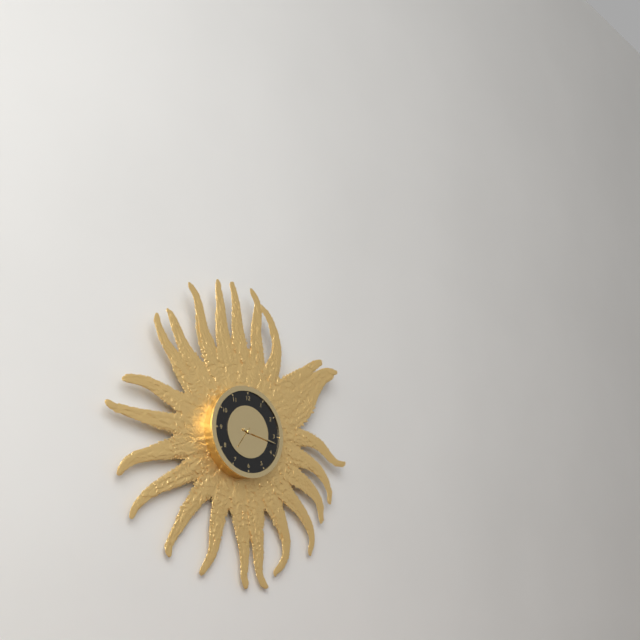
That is h=7 m=17
